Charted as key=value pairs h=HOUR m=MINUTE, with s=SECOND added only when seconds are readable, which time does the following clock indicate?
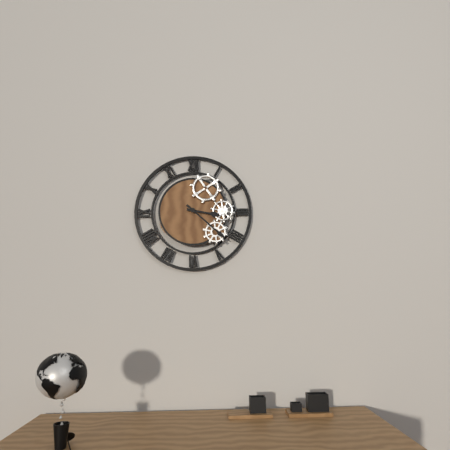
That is h=3 m=22
